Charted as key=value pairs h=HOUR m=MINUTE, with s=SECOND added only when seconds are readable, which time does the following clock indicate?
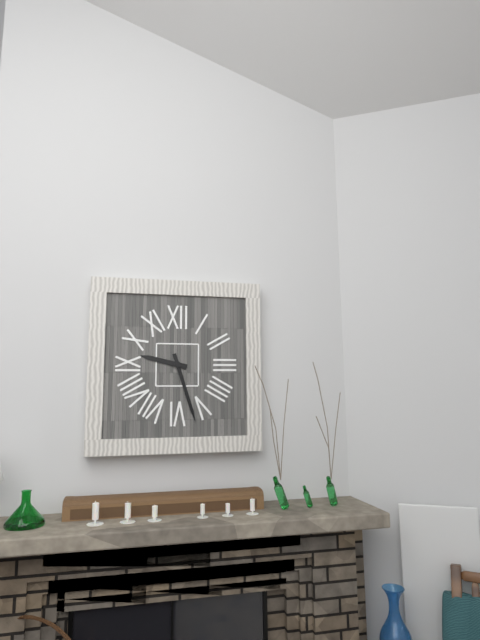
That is h=9 m=27
